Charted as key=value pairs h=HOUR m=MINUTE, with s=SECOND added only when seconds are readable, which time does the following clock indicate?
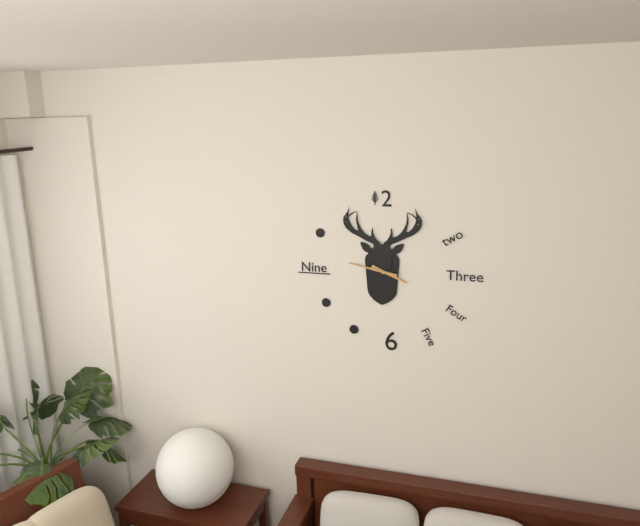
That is h=3 m=47
